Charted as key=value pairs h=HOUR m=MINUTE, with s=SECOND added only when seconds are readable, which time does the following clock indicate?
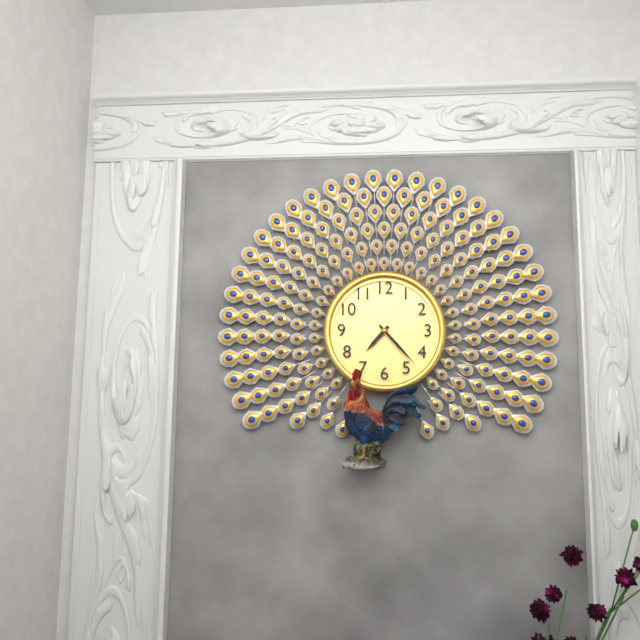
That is h=7 m=23
